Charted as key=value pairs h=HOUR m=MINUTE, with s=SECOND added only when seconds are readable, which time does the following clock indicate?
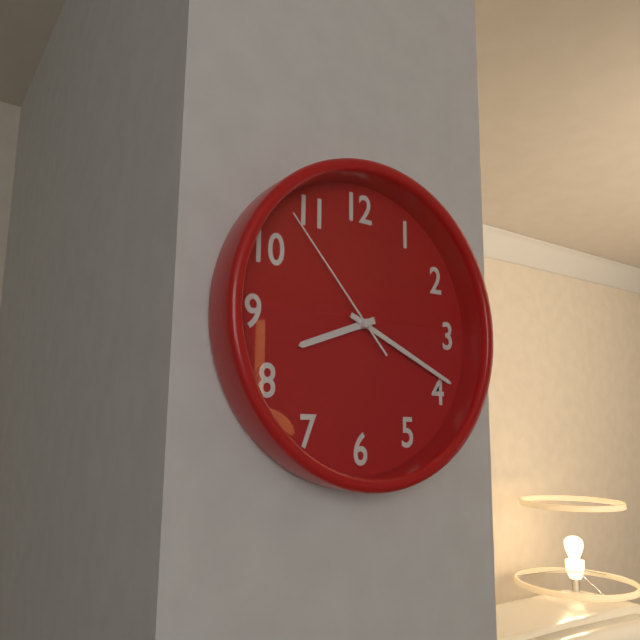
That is h=8 m=19 s=53
